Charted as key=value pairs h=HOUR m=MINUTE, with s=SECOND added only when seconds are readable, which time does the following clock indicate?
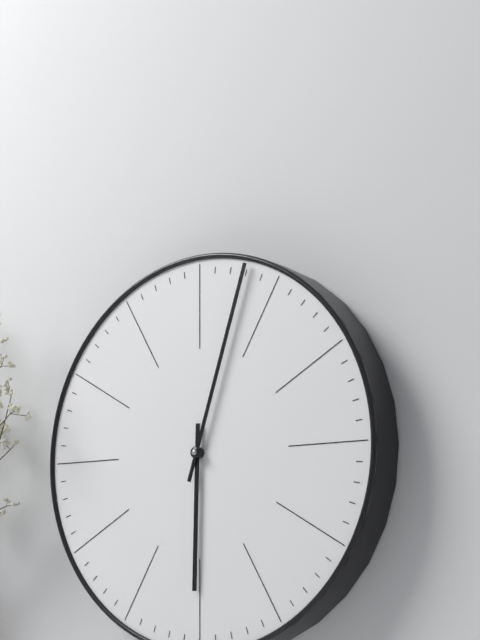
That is h=6 m=3
